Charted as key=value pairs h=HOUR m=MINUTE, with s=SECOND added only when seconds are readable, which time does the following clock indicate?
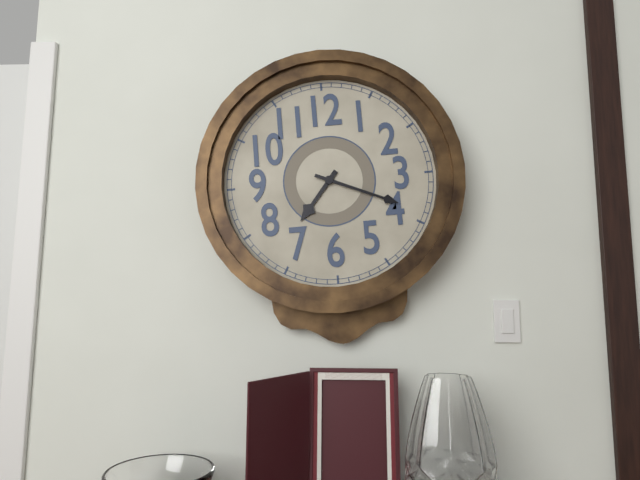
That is h=7 m=19
